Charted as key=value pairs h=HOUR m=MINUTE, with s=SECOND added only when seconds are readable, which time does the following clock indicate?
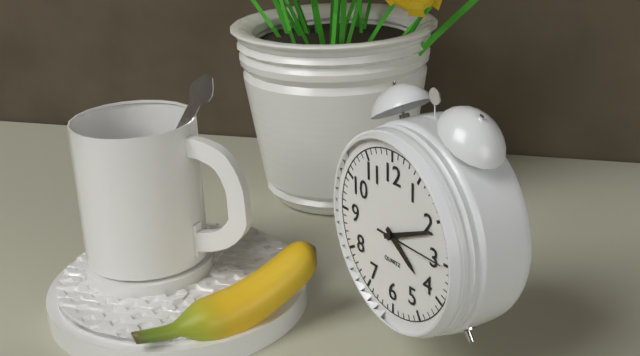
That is h=4 m=11 s=15
